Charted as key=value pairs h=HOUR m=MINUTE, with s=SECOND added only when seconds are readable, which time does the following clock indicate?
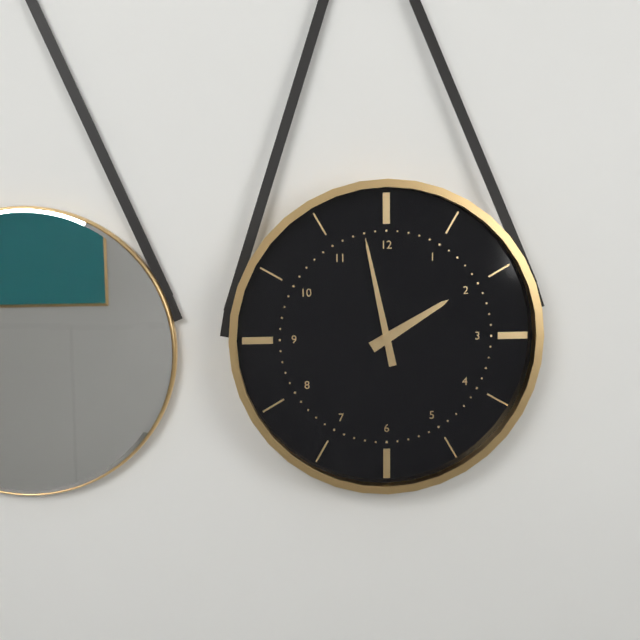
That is h=1 m=58
